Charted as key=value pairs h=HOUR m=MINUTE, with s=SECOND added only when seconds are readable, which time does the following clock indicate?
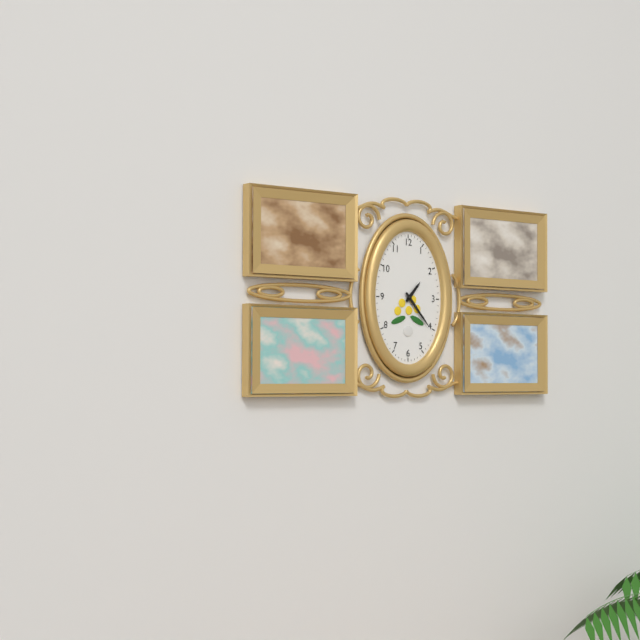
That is h=1 m=23
